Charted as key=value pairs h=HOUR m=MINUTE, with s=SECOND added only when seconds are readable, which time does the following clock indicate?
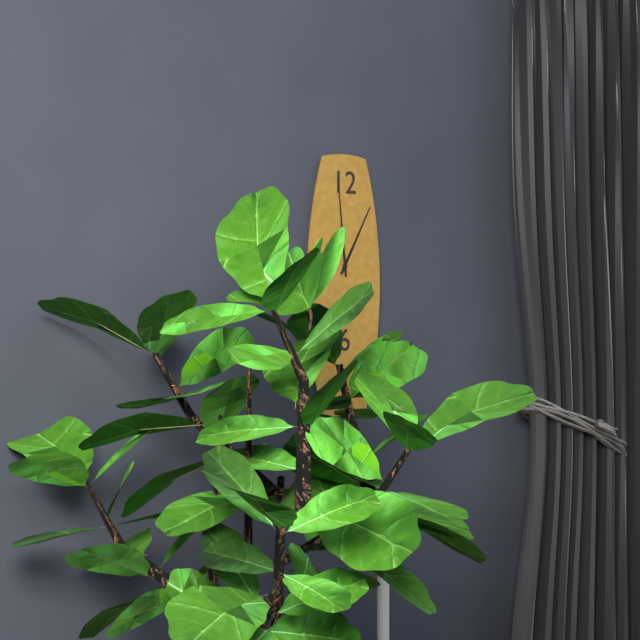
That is h=12 m=59
